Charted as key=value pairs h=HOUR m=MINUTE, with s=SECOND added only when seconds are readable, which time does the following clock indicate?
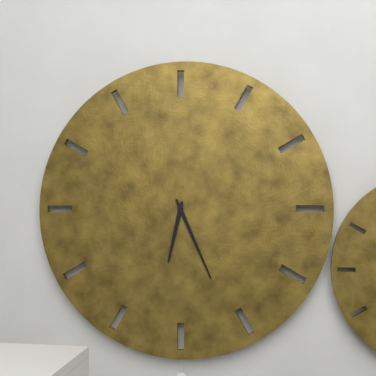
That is h=6 m=26
